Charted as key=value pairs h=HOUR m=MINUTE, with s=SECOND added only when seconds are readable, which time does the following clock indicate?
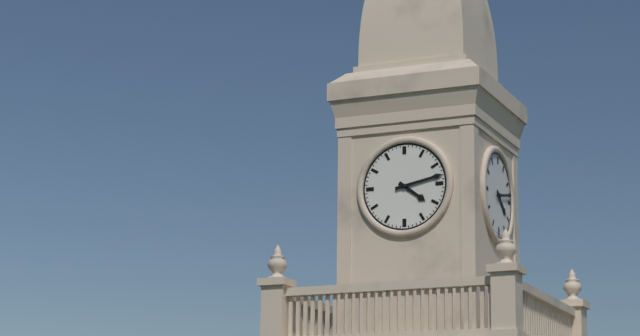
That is h=4 m=13
